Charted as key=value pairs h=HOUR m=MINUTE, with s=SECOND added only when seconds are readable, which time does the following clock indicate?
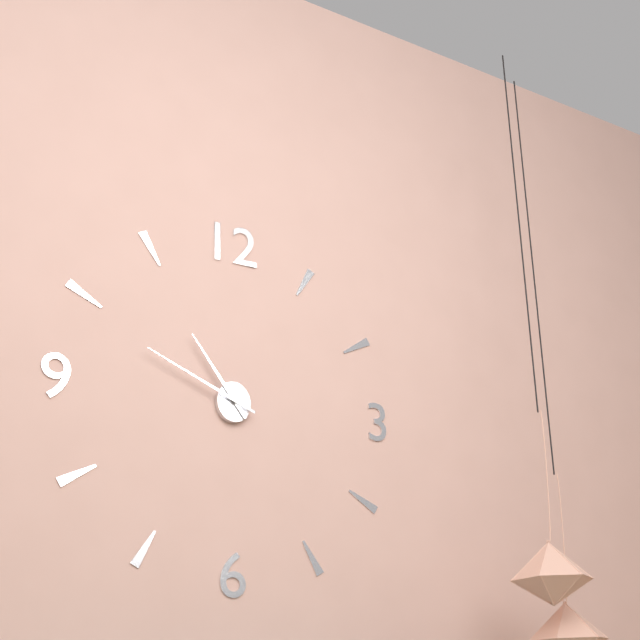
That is h=10 m=49
